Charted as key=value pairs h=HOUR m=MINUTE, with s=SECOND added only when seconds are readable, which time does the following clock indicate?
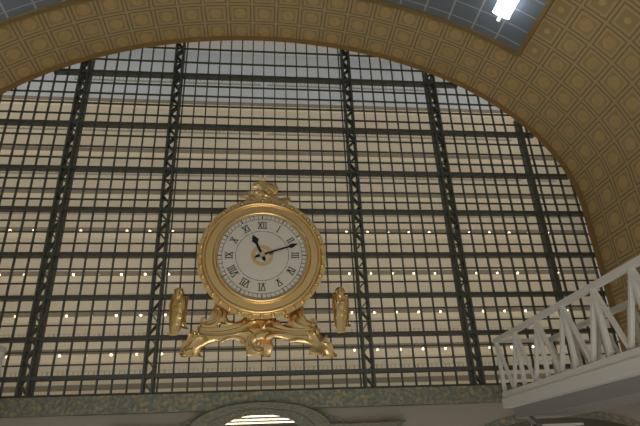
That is h=11 m=12
